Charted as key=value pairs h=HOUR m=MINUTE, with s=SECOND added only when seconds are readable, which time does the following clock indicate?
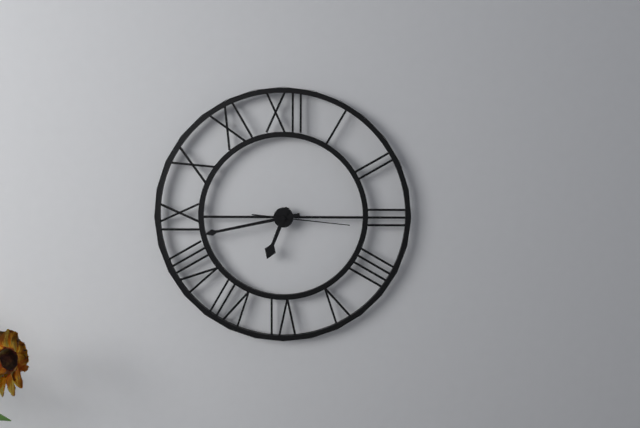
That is h=6 m=43 s=16
